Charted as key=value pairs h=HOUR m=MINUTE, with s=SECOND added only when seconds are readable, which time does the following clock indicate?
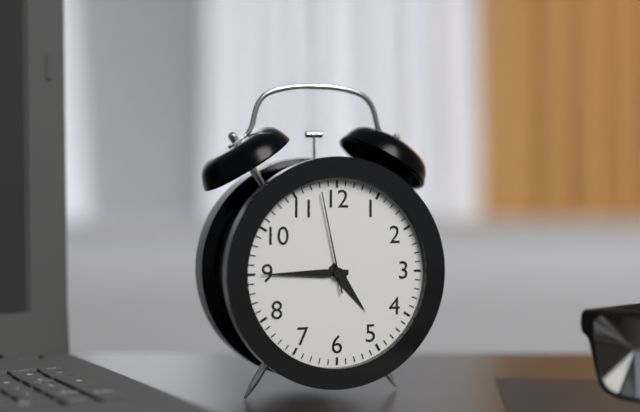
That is h=4 m=45 s=58
